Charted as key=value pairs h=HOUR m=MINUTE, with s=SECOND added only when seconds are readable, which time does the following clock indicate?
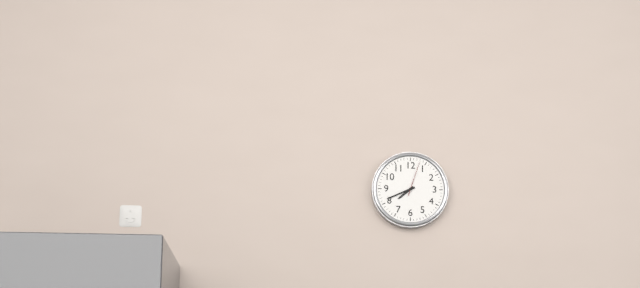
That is h=7 m=41
